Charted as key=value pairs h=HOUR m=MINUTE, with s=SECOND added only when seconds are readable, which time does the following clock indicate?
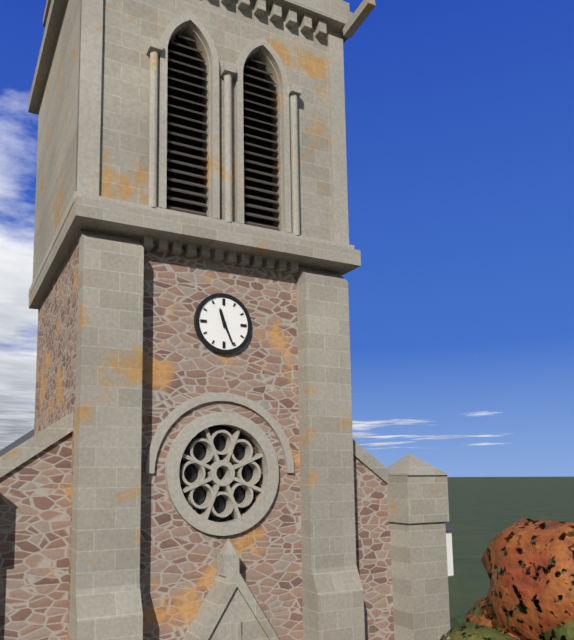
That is h=11 m=26
